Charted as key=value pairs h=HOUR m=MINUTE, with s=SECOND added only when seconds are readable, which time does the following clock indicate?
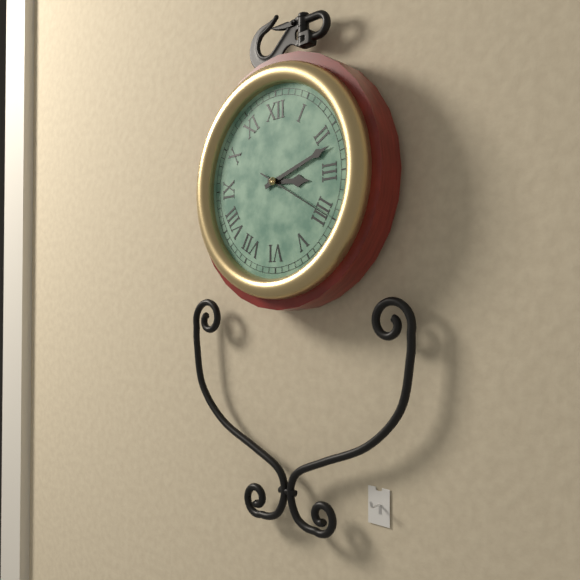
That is h=3 m=12 s=20
